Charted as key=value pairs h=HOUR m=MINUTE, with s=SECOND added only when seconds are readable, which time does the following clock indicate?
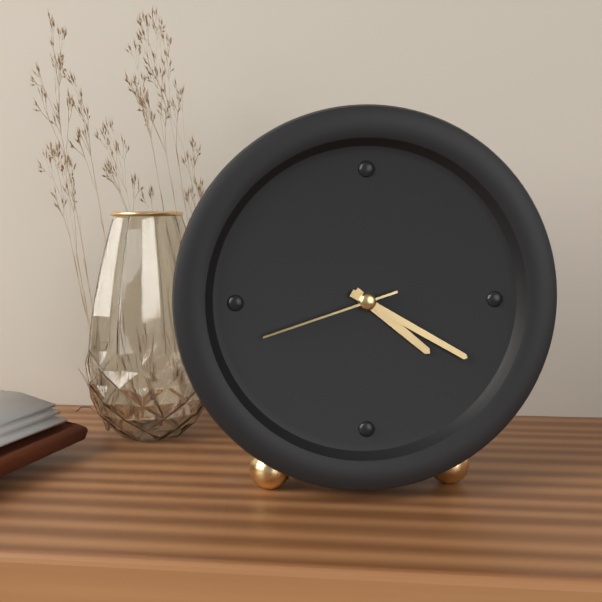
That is h=4 m=20 s=42
